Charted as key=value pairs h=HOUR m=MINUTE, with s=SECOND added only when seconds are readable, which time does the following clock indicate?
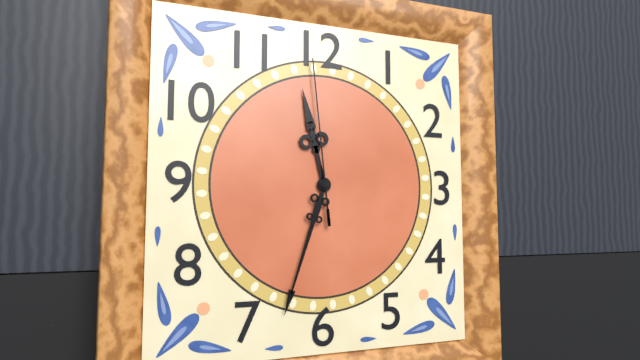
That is h=11 m=33 s=59
